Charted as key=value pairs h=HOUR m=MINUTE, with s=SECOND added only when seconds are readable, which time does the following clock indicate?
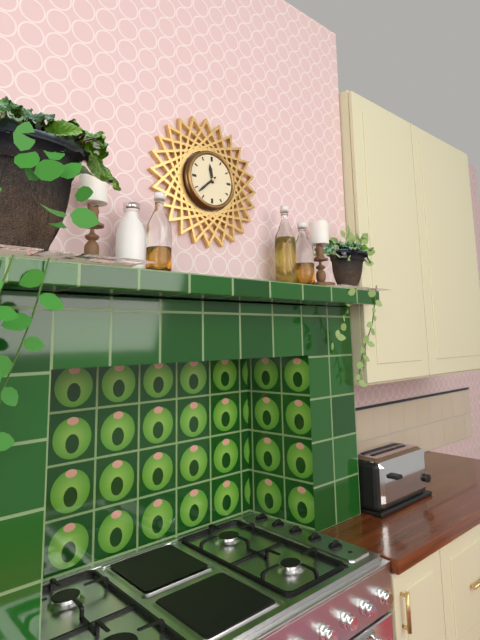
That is h=11 m=38
